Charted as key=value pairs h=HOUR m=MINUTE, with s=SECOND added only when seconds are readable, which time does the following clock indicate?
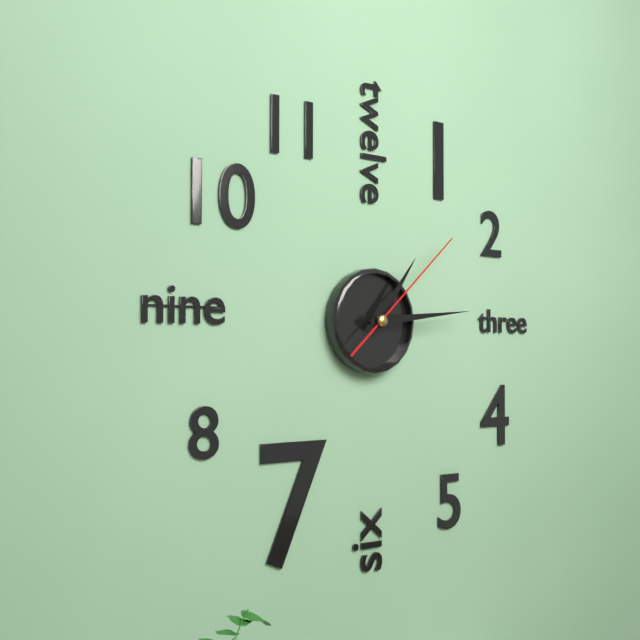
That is h=1 m=14 s=8
